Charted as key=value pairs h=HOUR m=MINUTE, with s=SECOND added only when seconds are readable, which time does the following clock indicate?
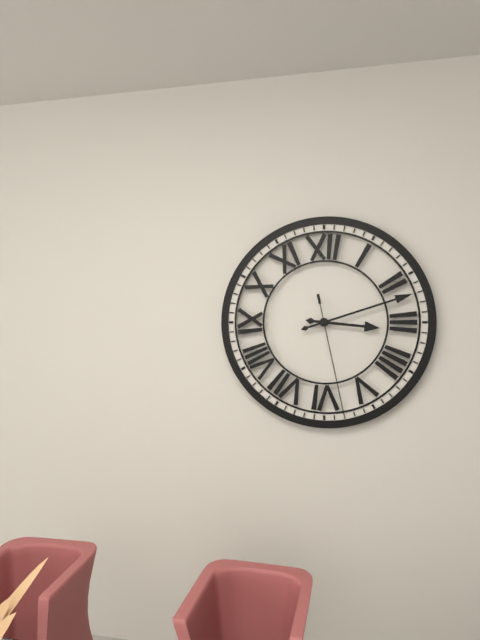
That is h=3 m=12 s=28
